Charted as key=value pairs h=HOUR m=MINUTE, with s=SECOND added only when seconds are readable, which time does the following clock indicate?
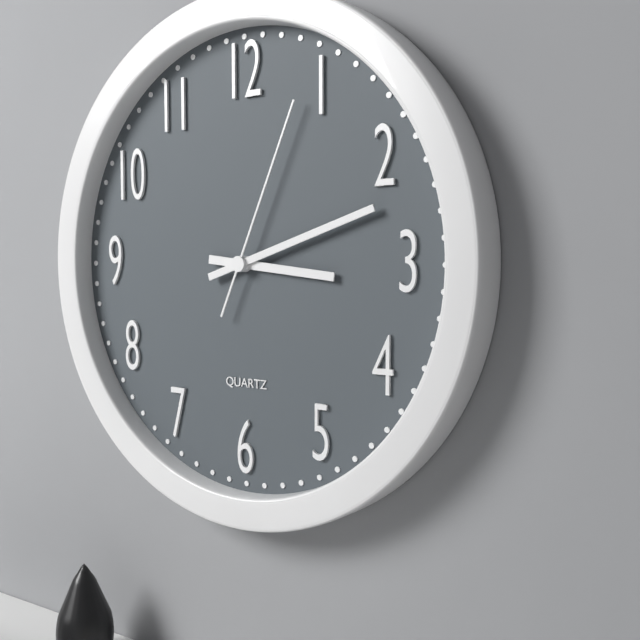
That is h=3 m=12 s=4
